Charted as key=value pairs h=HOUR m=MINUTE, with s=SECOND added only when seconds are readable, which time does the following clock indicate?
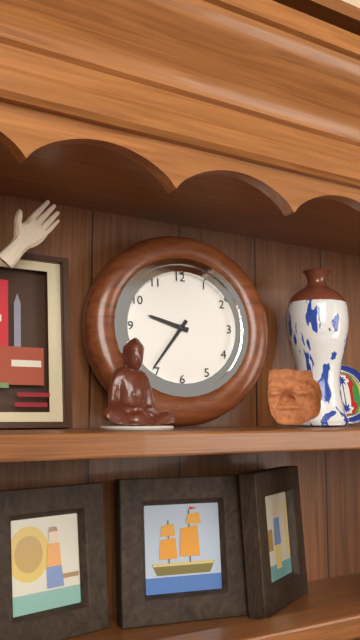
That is h=9 m=36
